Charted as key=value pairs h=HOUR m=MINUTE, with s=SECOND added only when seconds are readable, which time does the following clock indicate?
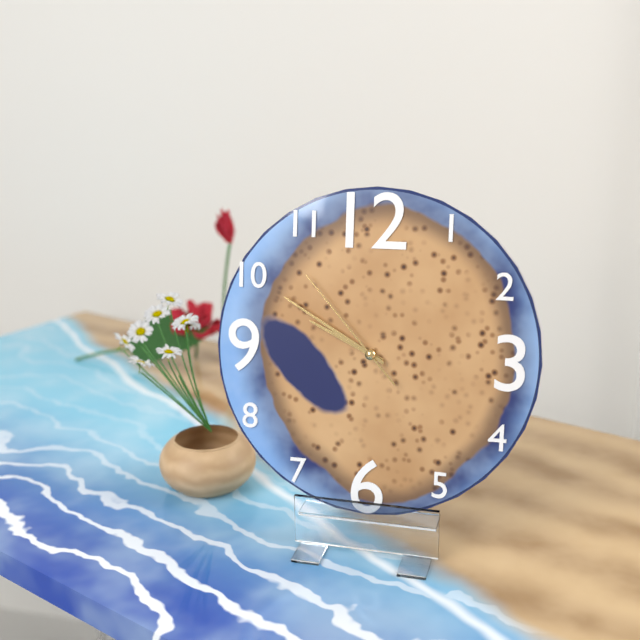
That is h=9 m=50 s=53
